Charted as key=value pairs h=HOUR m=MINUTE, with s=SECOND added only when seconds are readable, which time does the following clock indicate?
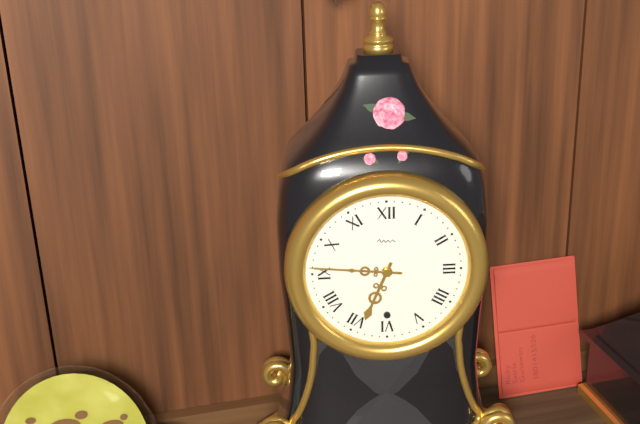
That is h=6 m=46
